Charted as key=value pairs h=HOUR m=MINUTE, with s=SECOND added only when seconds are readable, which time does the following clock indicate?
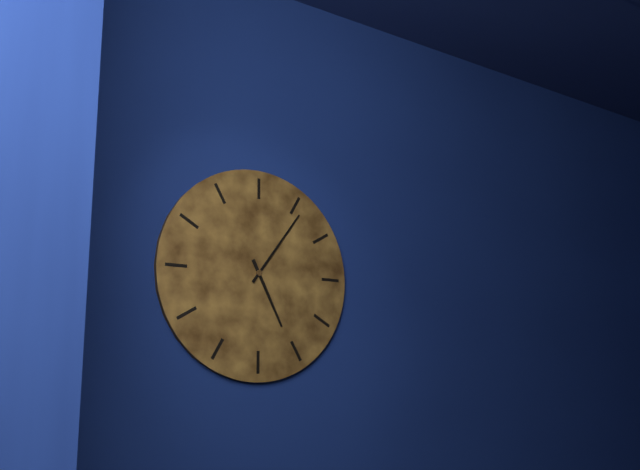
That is h=5 m=6
